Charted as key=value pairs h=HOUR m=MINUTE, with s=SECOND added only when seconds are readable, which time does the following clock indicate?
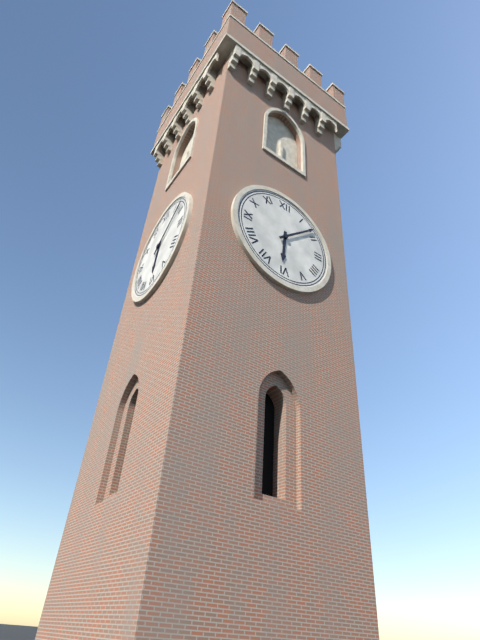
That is h=6 m=8
